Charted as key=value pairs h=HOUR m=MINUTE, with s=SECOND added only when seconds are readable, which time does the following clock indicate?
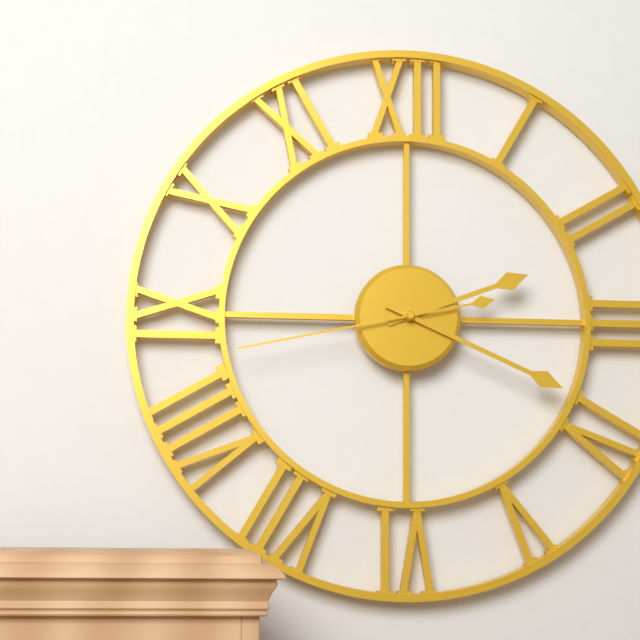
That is h=2 m=19 s=43
